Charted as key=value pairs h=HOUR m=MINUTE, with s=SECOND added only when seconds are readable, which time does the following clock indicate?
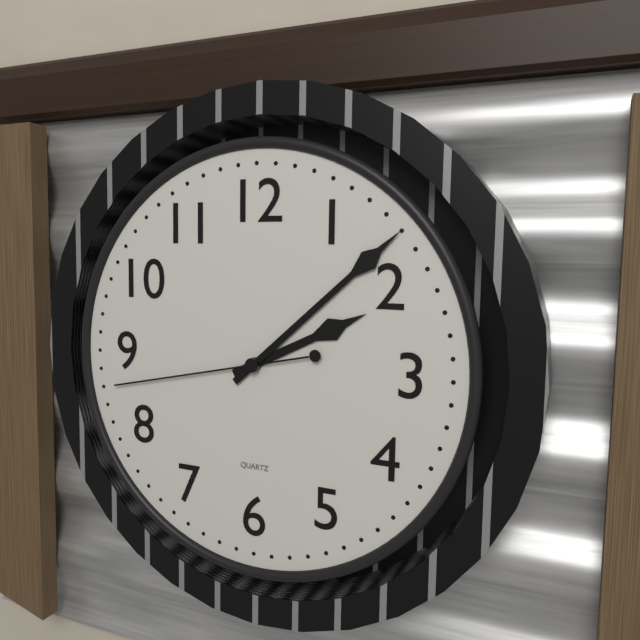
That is h=2 m=8 s=43
